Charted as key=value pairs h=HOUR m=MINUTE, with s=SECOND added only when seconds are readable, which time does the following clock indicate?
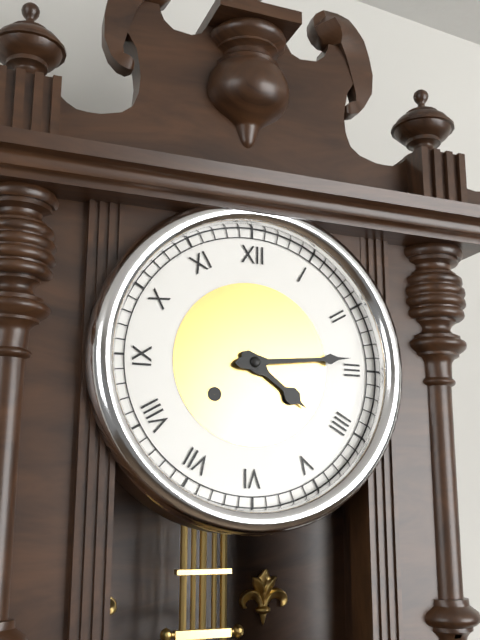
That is h=4 m=14
